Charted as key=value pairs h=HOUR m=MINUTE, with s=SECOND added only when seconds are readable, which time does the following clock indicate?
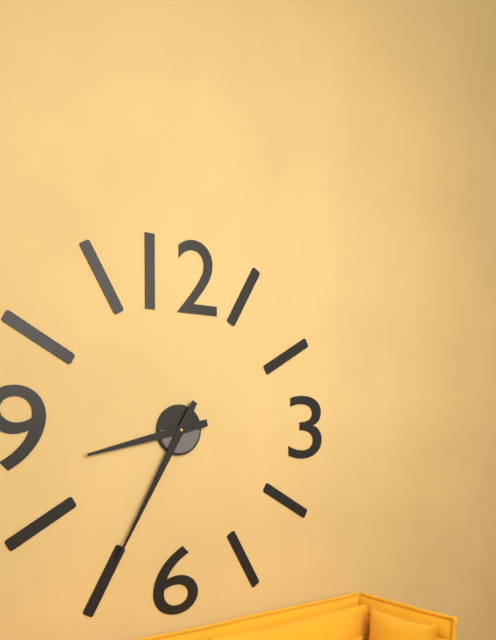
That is h=8 m=35
